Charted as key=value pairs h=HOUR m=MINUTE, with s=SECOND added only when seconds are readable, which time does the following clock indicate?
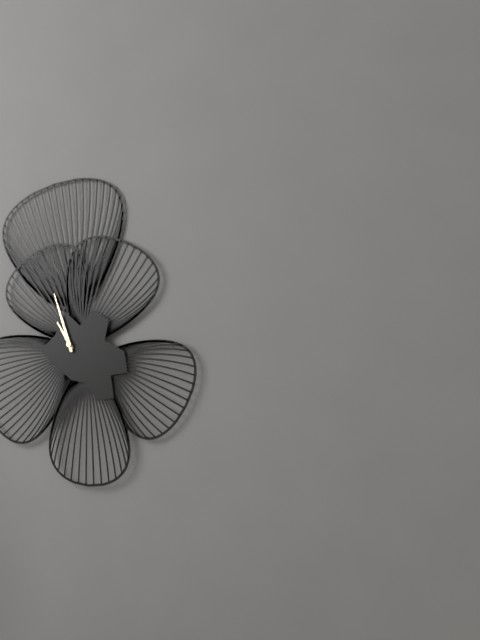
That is h=10 m=57
